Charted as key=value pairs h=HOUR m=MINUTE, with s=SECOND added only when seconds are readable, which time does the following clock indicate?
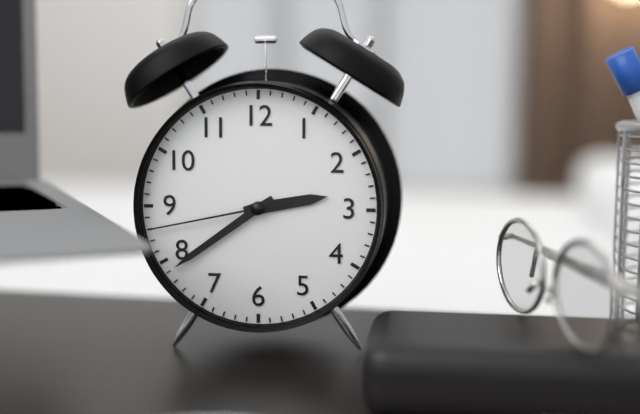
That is h=2 m=39 s=43
